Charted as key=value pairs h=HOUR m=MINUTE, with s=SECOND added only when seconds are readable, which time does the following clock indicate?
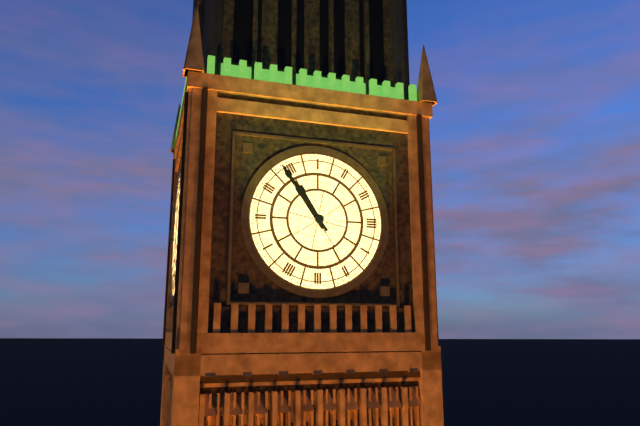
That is h=10 m=54
